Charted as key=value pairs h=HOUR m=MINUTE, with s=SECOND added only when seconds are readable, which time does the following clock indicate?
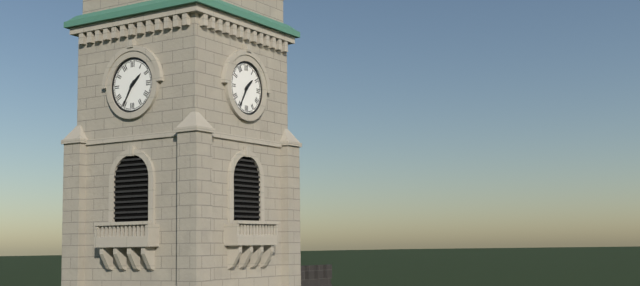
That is h=1 m=35
